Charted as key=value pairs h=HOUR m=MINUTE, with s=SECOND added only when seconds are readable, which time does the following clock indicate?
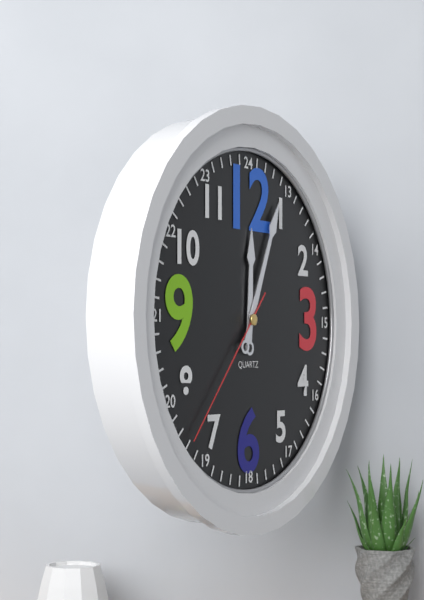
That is h=12 m=4 s=37
